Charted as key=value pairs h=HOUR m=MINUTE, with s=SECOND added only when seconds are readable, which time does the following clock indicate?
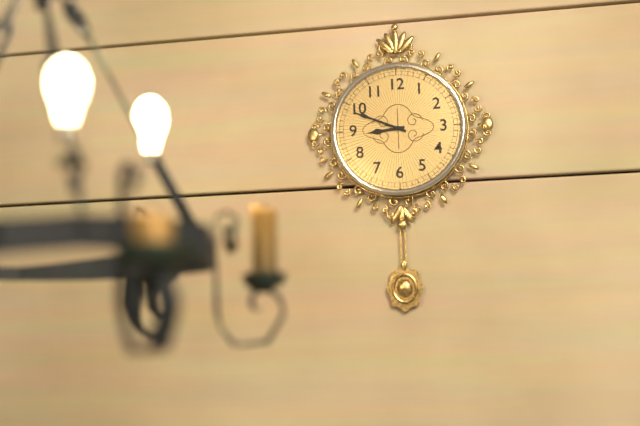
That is h=8 m=49
